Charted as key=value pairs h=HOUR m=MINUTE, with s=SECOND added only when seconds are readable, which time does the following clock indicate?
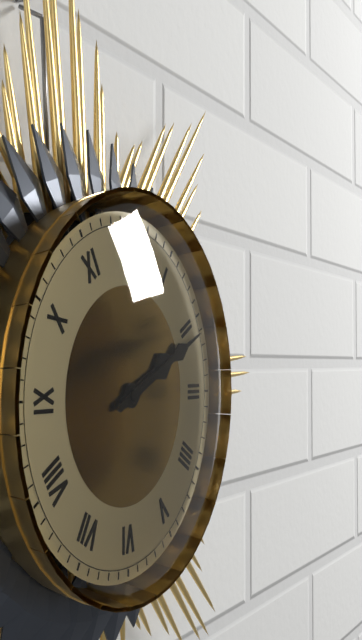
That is h=2 m=11
